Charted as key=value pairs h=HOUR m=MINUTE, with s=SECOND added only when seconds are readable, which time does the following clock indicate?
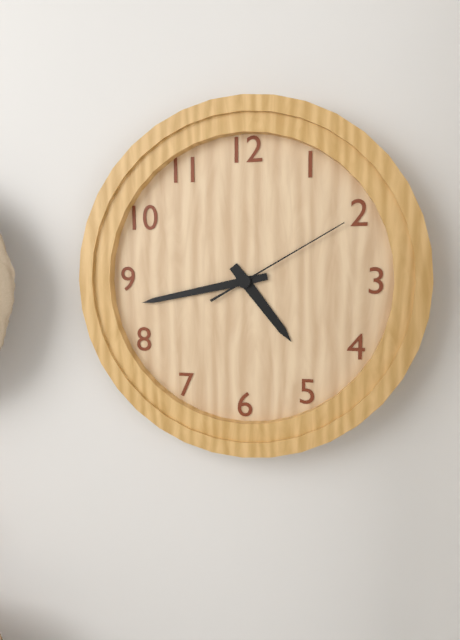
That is h=4 m=43 s=10
